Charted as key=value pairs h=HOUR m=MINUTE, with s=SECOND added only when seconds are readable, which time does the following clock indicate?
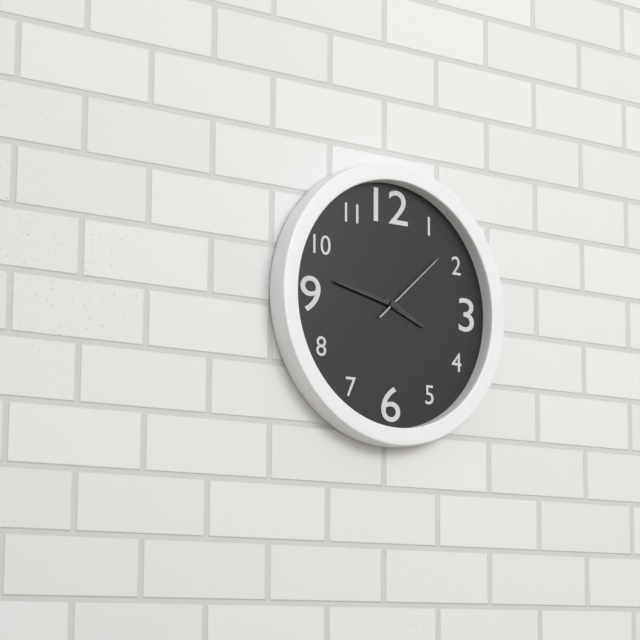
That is h=3 m=47 s=8
